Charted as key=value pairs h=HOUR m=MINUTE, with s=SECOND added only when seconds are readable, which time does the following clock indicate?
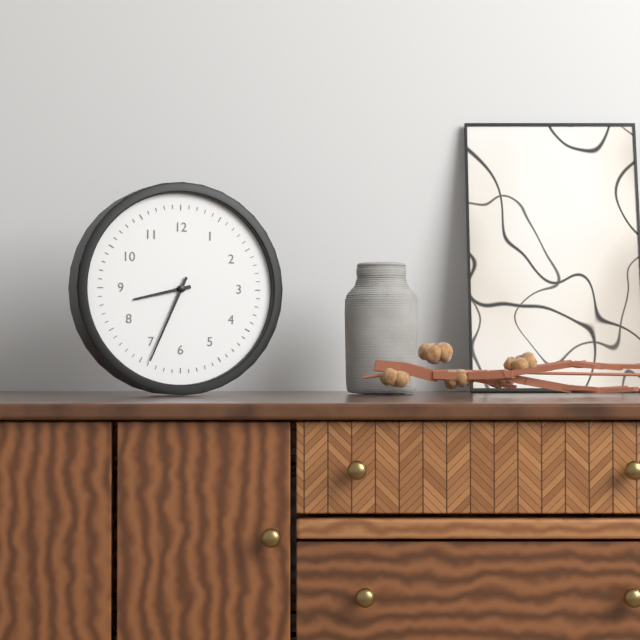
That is h=8 m=34
